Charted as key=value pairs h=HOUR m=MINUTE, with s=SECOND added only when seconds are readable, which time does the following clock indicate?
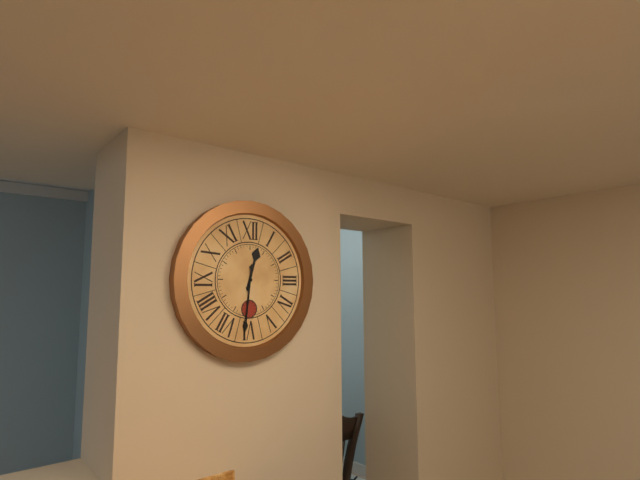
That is h=12 m=31
